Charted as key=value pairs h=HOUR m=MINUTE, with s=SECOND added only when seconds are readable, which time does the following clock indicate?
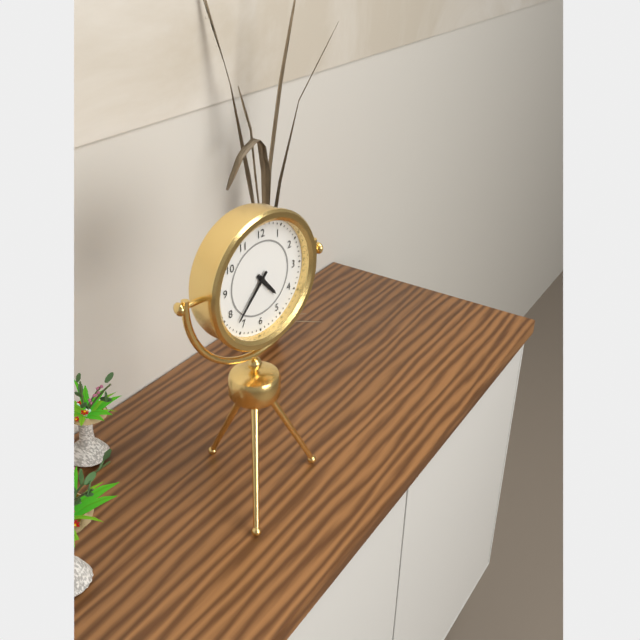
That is h=4 m=37
